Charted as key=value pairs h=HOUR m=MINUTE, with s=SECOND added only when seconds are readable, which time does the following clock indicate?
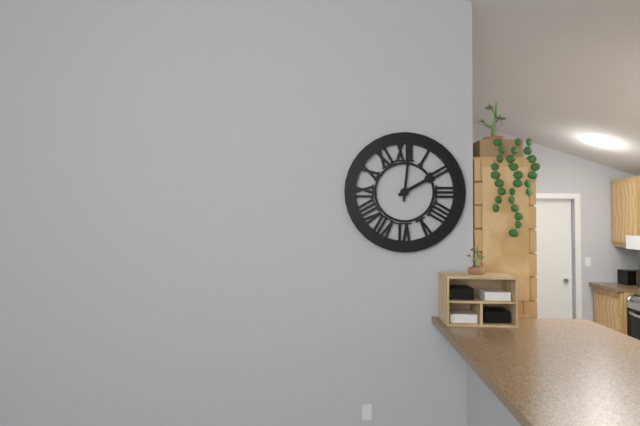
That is h=2 m=1
